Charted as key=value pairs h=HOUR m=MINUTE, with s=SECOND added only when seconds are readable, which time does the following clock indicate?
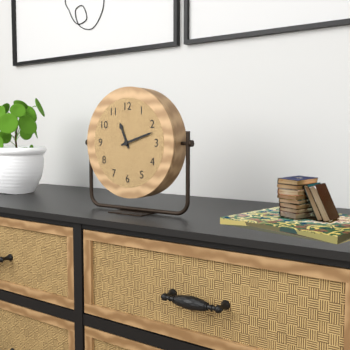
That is h=11 m=12
